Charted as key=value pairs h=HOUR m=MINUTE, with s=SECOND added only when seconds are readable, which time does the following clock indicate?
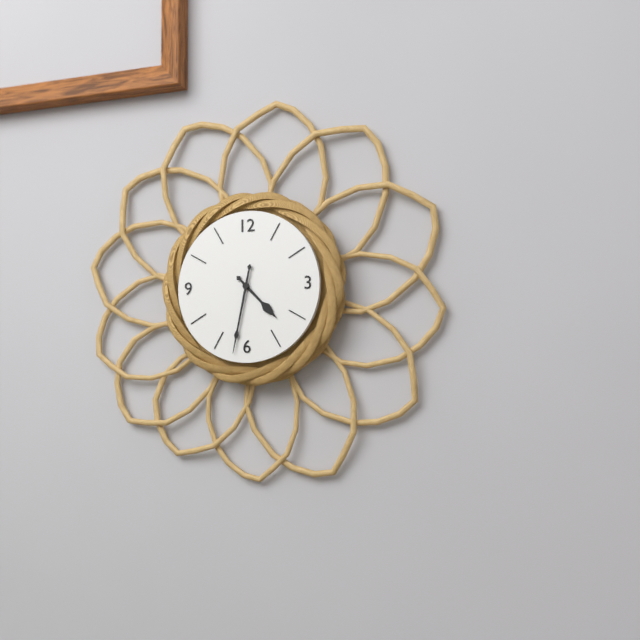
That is h=4 m=32
